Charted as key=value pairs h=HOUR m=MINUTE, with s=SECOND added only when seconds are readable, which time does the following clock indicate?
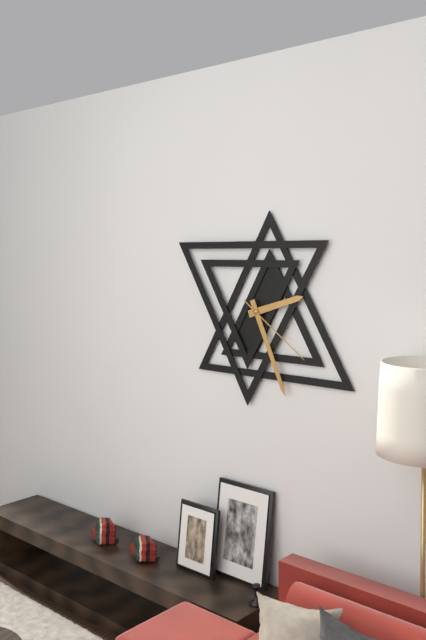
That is h=2 m=26 s=21
